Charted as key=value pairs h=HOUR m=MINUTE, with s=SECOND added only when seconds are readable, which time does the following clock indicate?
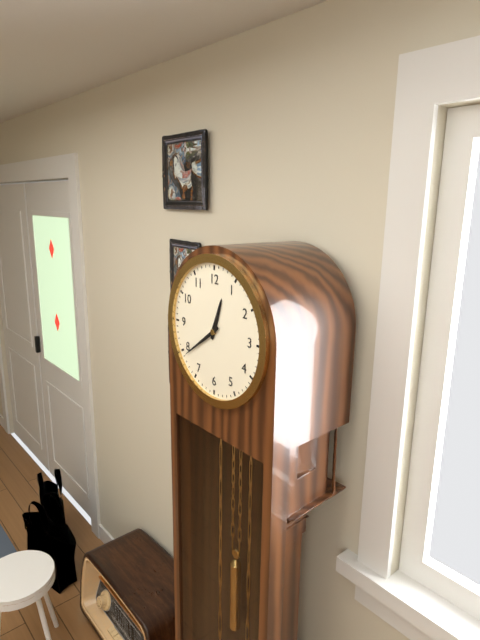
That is h=12 m=39
